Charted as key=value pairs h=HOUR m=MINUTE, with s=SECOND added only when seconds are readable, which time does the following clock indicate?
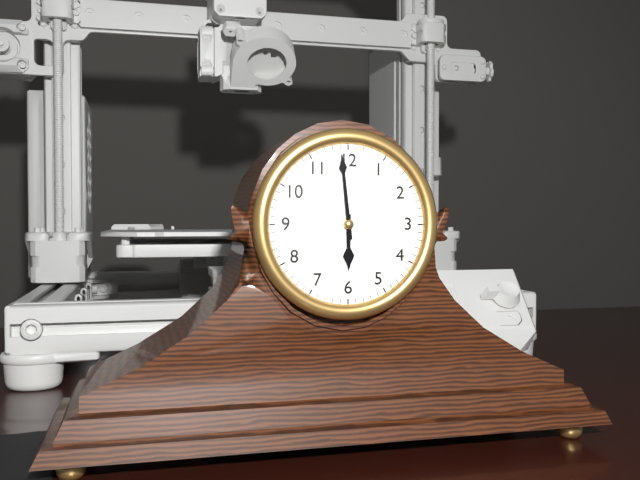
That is h=5 m=59
